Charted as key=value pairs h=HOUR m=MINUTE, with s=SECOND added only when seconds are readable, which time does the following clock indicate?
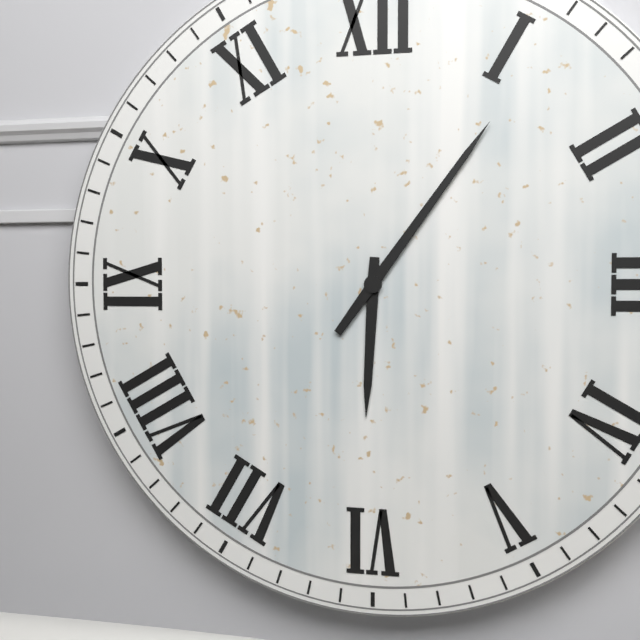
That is h=6 m=6
